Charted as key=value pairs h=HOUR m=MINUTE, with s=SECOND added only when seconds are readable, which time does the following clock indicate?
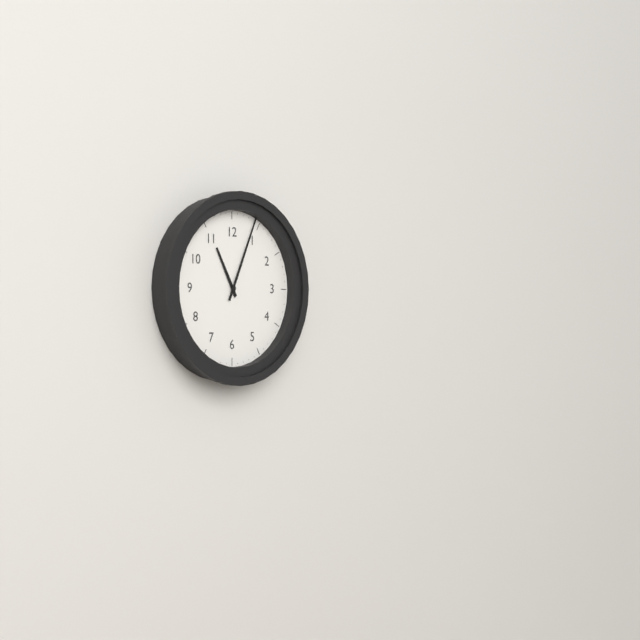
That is h=11 m=4
